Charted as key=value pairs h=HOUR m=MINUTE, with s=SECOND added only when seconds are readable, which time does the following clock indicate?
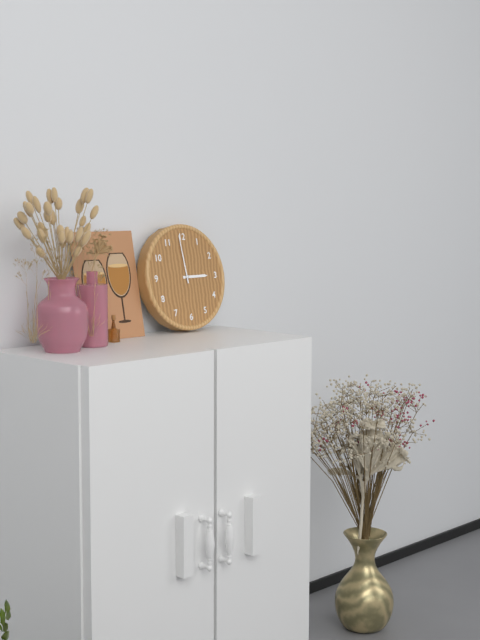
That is h=2 m=59
